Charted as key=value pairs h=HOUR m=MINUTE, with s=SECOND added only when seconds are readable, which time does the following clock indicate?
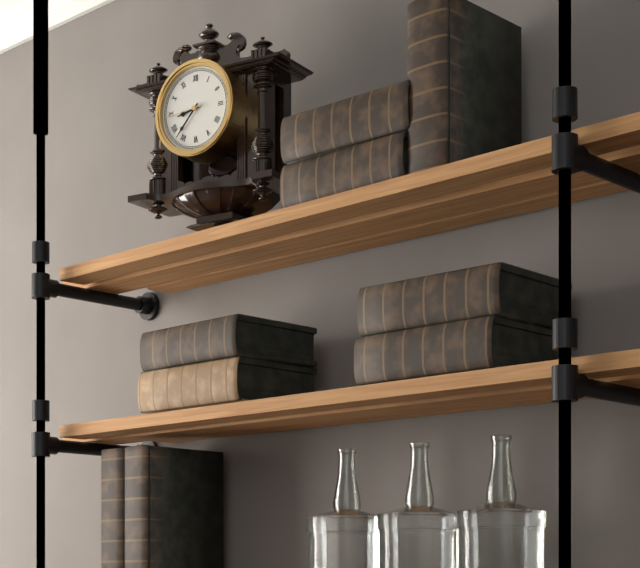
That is h=8 m=37
